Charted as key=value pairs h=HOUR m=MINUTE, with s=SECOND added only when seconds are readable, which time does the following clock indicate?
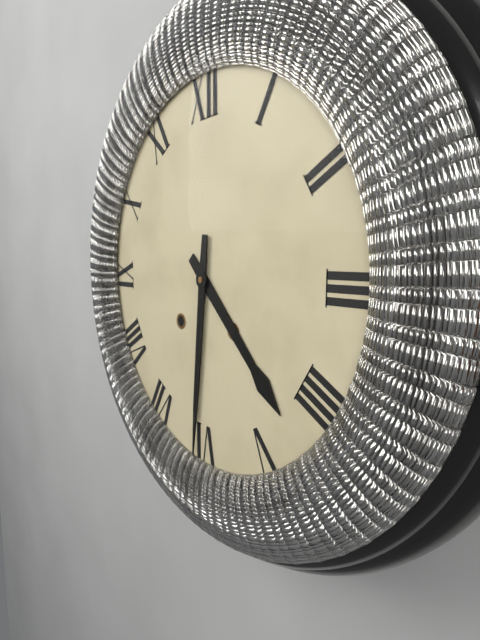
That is h=4 m=31
